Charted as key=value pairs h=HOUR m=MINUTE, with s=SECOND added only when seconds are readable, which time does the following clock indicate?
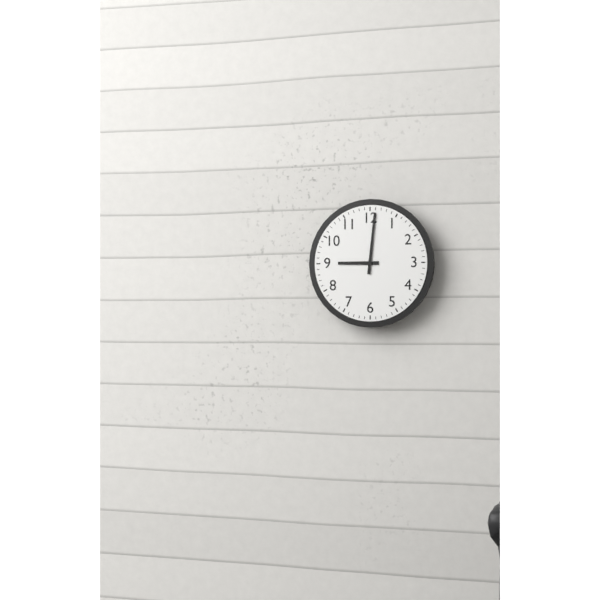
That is h=9 m=1
